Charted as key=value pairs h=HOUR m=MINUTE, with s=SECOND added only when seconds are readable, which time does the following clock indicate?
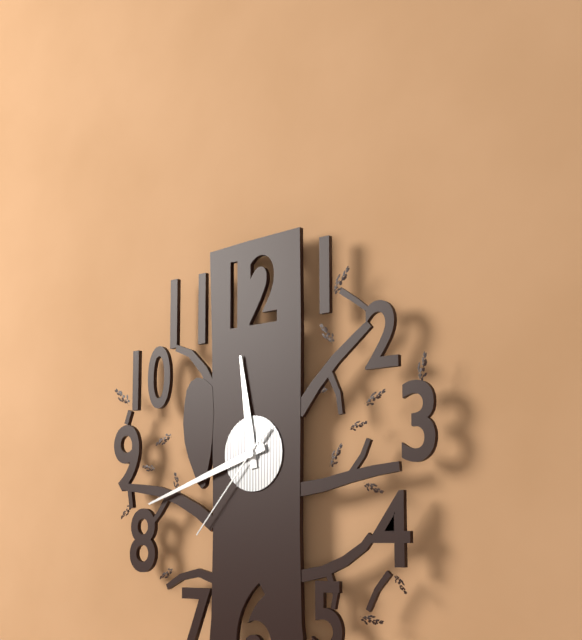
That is h=11 m=42 s=37
